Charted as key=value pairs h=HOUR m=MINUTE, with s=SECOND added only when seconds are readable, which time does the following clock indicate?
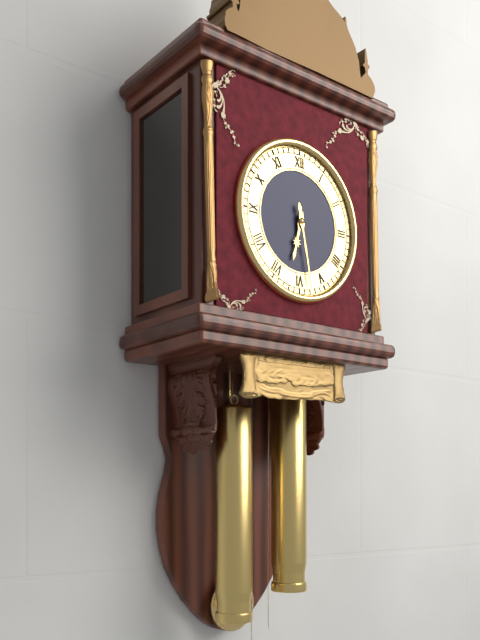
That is h=6 m=28
